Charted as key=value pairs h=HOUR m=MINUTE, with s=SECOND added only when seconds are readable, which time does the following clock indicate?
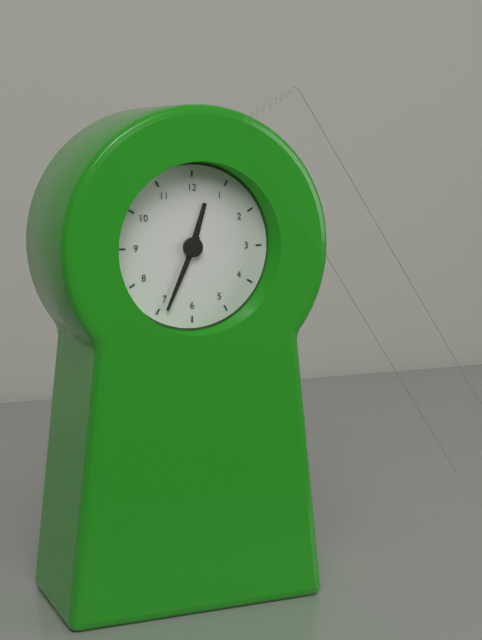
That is h=12 m=34
